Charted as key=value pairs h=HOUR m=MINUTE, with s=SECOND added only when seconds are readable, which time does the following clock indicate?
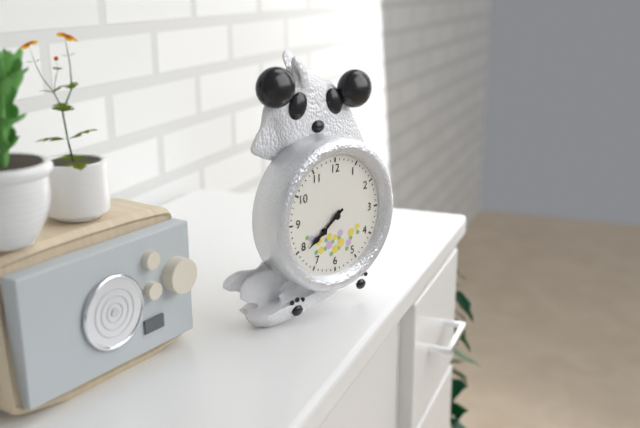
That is h=7 m=39
